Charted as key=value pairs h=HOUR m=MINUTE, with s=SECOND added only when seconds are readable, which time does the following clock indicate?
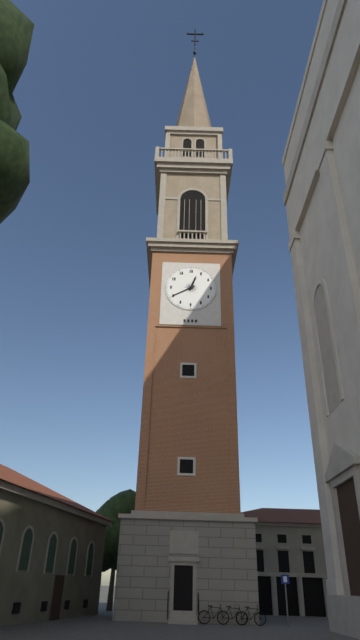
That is h=12 m=40
